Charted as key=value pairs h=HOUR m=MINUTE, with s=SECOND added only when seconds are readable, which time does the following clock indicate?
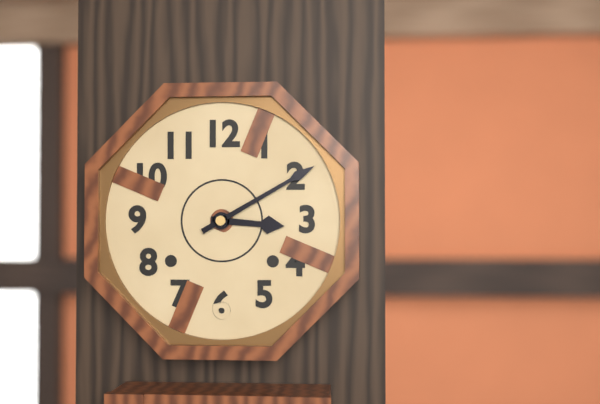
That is h=3 m=10
